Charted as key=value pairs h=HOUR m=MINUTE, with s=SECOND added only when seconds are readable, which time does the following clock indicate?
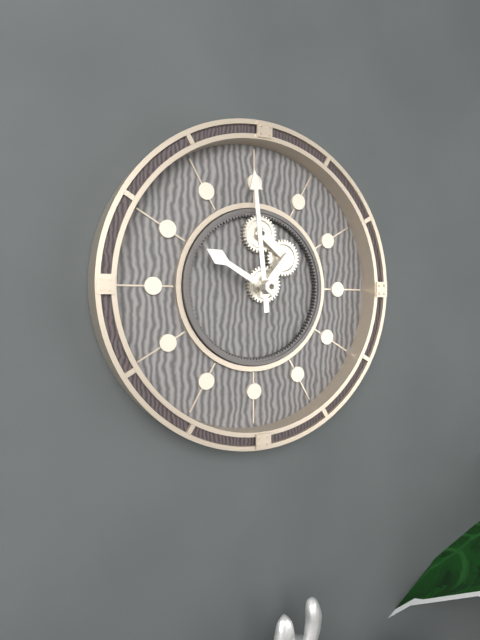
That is h=9 m=59
